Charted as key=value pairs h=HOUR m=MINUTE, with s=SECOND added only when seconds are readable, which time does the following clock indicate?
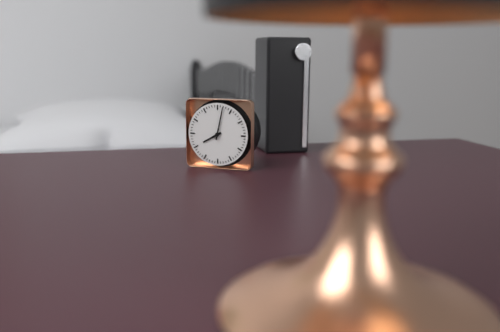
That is h=8 m=2
